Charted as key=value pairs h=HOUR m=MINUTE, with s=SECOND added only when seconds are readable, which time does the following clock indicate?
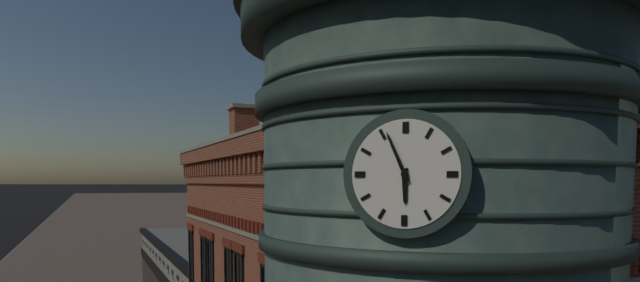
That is h=5 m=56
